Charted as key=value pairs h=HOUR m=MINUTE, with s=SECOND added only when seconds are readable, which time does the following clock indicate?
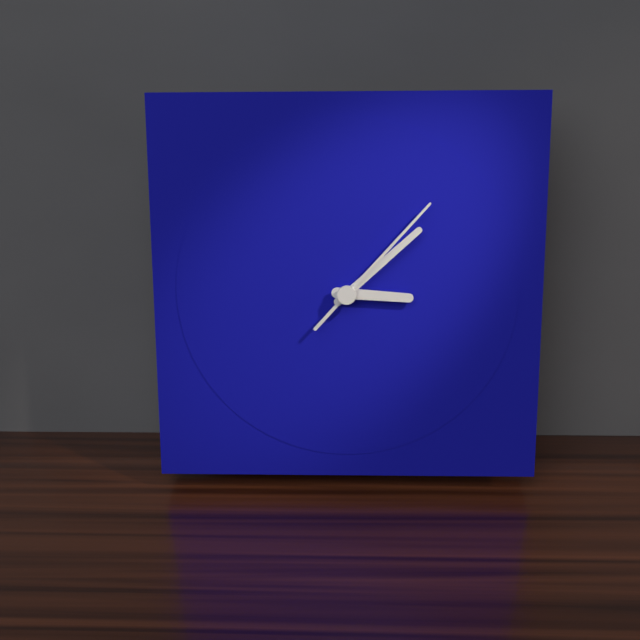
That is h=3 m=8 s=7
